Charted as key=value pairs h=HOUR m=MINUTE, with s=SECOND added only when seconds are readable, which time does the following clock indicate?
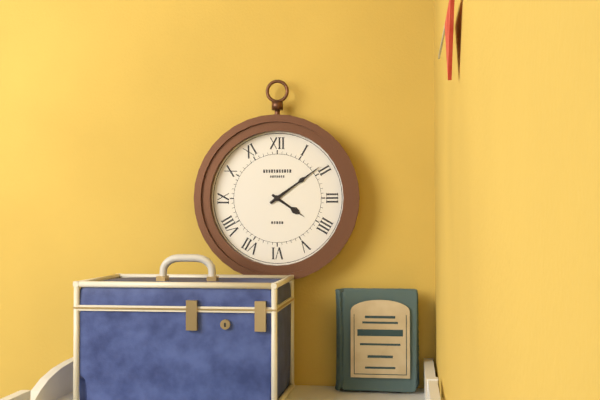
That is h=4 m=9
